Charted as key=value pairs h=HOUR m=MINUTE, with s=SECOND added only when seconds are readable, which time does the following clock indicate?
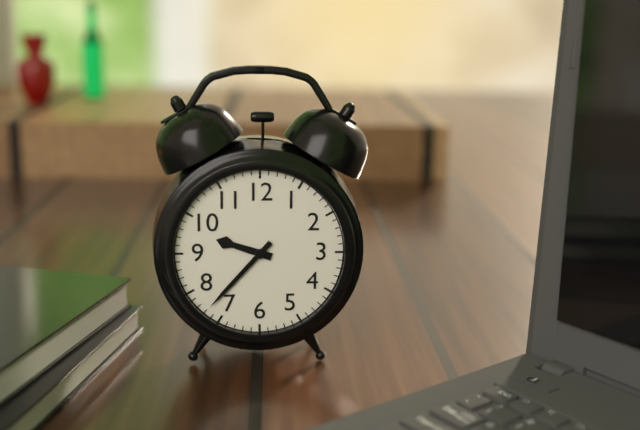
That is h=9 m=37
